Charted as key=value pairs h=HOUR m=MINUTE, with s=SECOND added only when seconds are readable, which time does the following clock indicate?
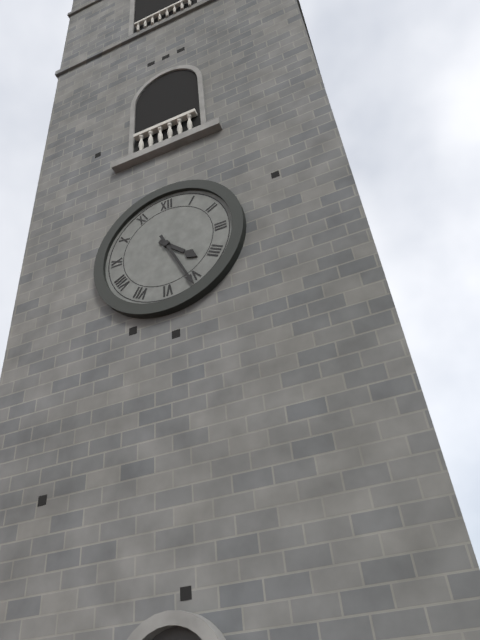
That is h=4 m=26
